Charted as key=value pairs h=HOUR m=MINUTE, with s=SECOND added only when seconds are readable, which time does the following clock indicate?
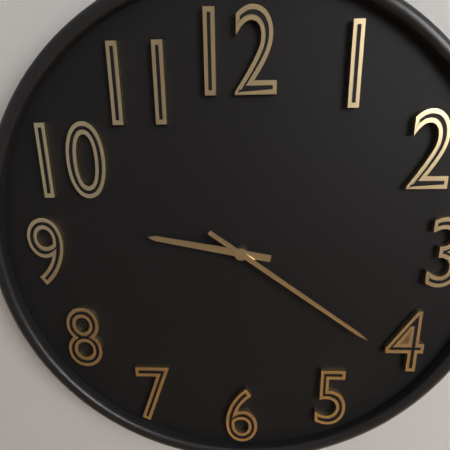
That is h=9 m=21
